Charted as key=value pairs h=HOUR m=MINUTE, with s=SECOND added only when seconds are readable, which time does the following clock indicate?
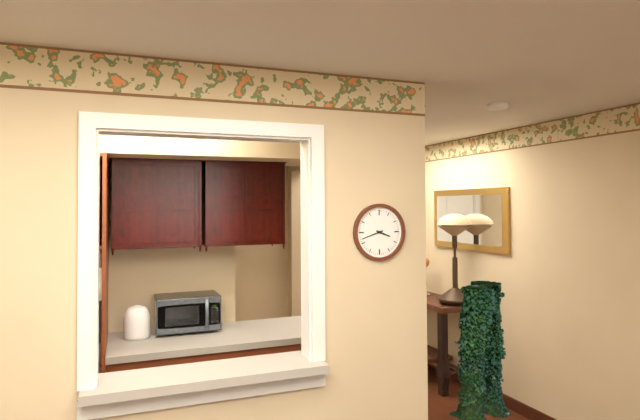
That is h=3 m=42
